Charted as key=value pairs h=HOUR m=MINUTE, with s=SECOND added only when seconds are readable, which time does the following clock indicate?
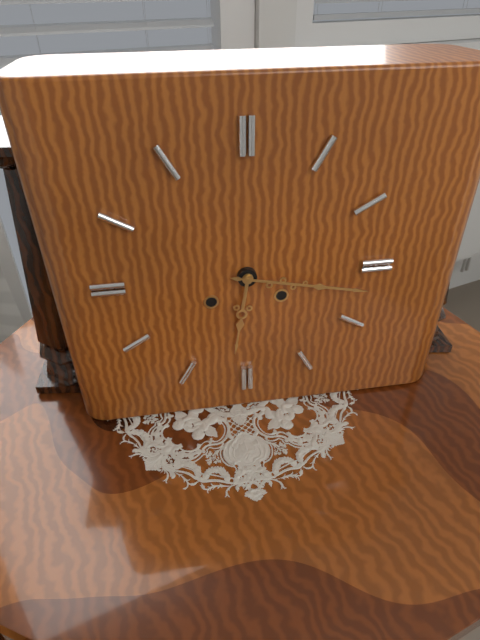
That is h=6 m=17
